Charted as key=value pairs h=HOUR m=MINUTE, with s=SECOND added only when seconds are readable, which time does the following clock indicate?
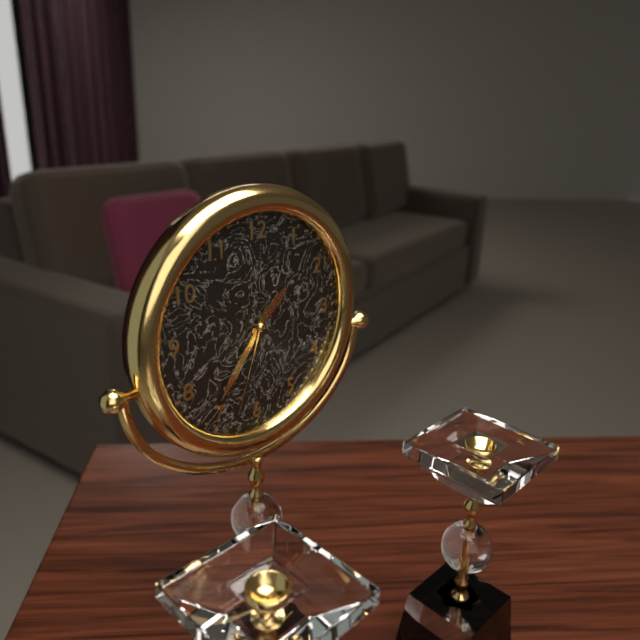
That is h=1 m=36 s=33
